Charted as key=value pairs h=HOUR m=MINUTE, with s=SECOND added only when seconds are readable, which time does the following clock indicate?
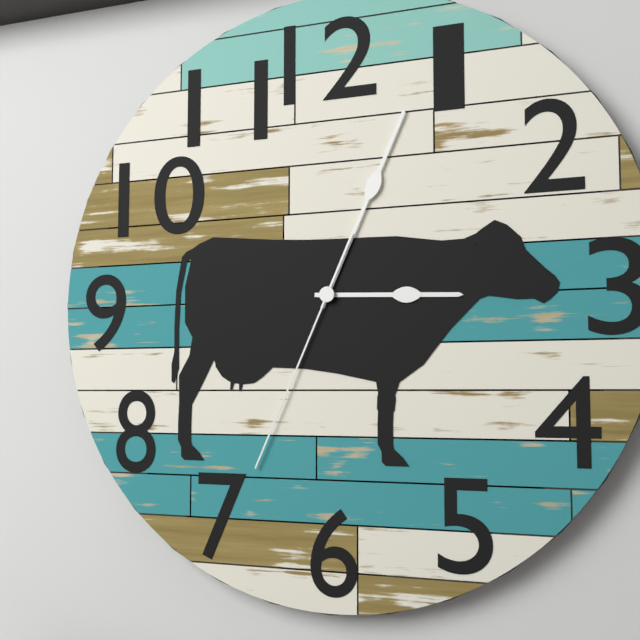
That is h=3 m=4 s=34
